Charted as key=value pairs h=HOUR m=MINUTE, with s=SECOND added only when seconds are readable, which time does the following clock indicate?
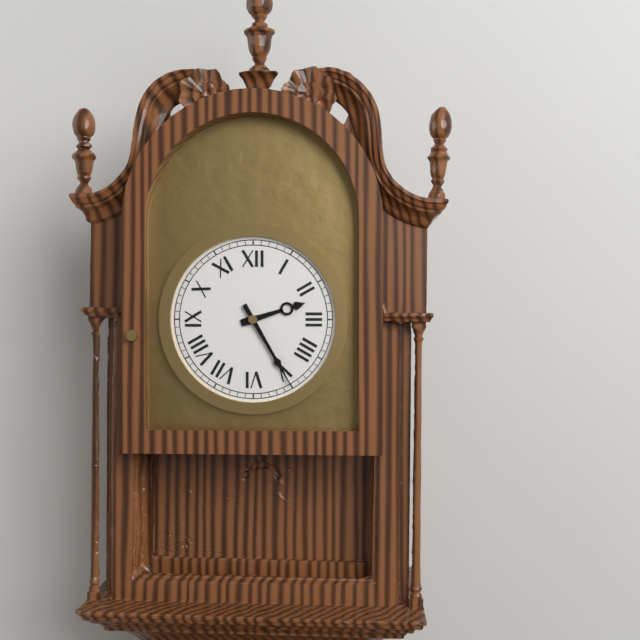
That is h=2 m=25
